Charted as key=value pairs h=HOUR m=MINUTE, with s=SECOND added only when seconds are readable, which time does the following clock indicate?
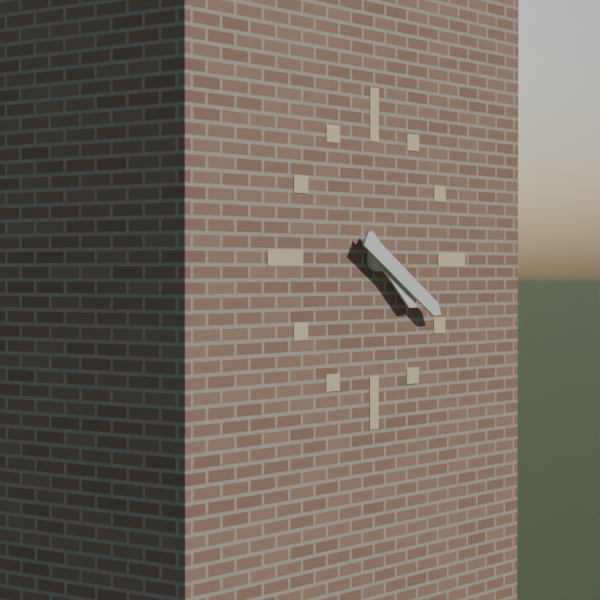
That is h=4 m=20
